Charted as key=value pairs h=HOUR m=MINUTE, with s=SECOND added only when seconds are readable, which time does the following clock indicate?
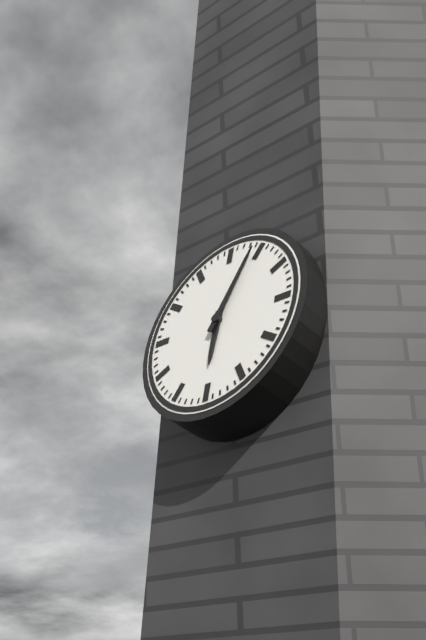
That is h=6 m=4
